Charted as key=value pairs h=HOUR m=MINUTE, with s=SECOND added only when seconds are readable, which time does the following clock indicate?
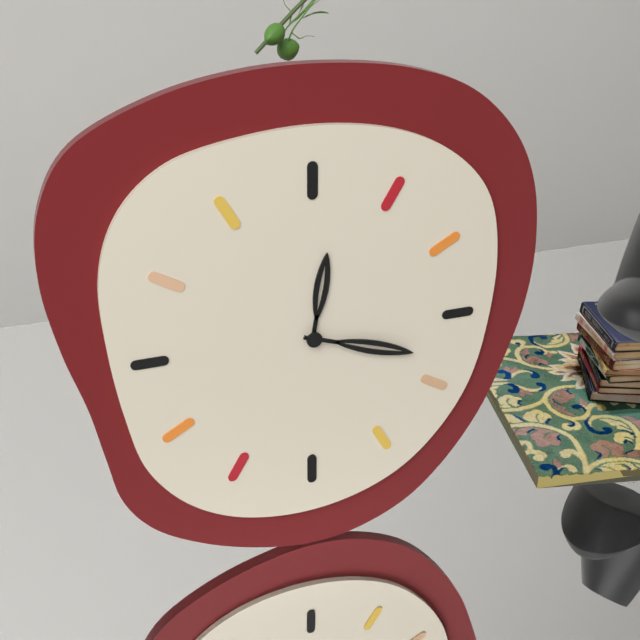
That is h=12 m=18
